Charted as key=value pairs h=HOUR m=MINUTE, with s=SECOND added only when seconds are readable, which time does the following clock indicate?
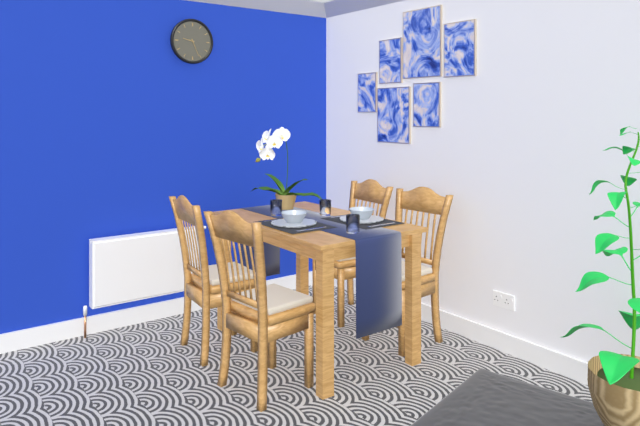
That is h=9 m=26
